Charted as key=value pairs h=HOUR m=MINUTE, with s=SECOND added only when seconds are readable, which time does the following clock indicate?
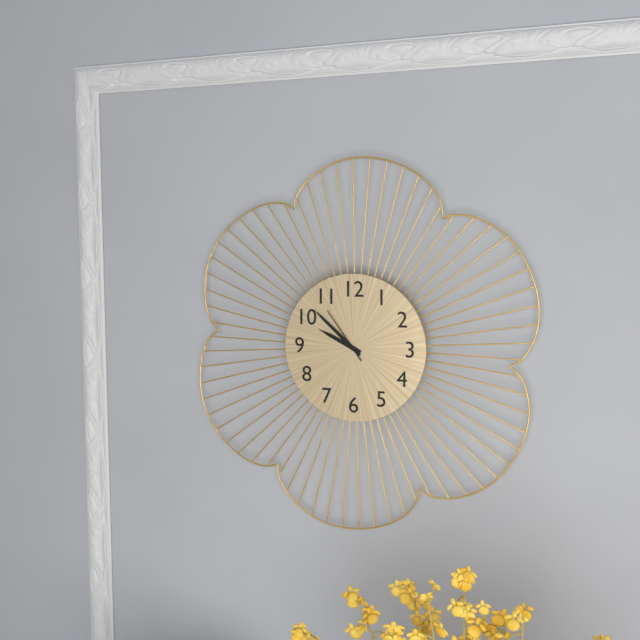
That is h=9 m=52 s=54
